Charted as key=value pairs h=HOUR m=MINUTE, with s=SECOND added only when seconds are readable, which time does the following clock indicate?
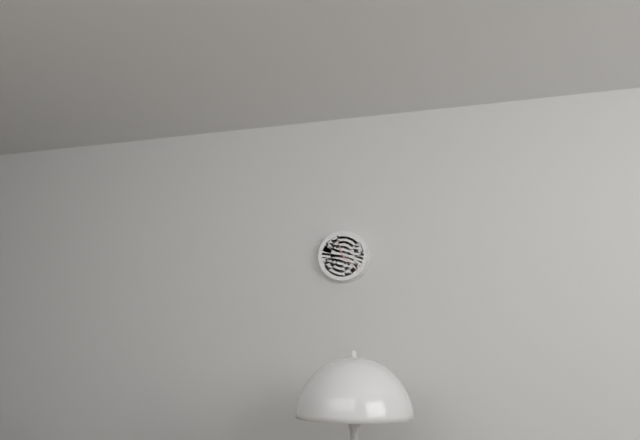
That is h=11 m=23
